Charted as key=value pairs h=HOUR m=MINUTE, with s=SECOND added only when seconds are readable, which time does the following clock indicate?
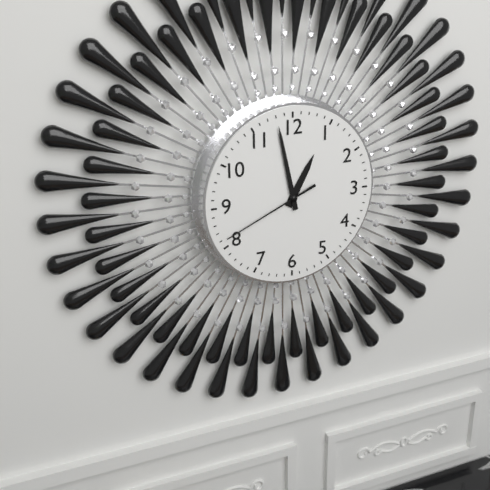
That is h=12 m=58 s=41
